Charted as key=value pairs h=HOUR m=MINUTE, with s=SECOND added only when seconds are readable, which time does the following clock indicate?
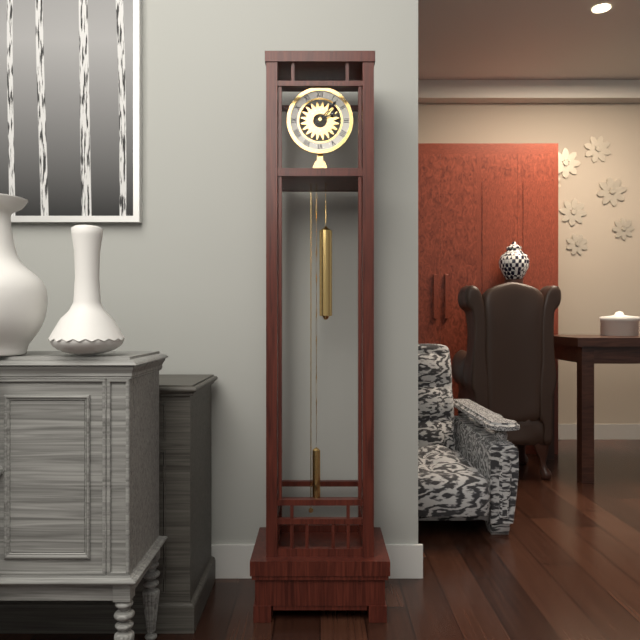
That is h=2 m=7
